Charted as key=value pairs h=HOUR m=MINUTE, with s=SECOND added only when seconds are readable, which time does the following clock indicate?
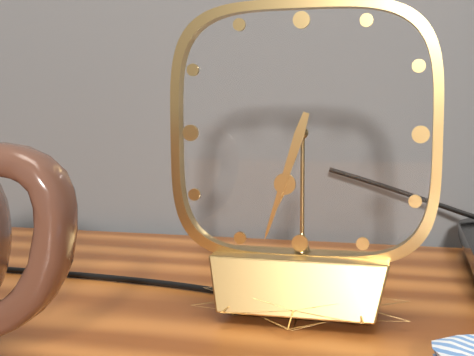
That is h=6 m=33
